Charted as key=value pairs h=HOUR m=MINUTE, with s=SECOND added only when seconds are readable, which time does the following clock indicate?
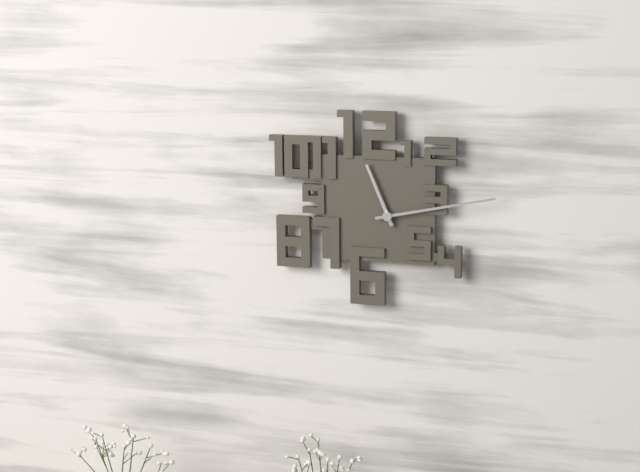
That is h=11 m=13
